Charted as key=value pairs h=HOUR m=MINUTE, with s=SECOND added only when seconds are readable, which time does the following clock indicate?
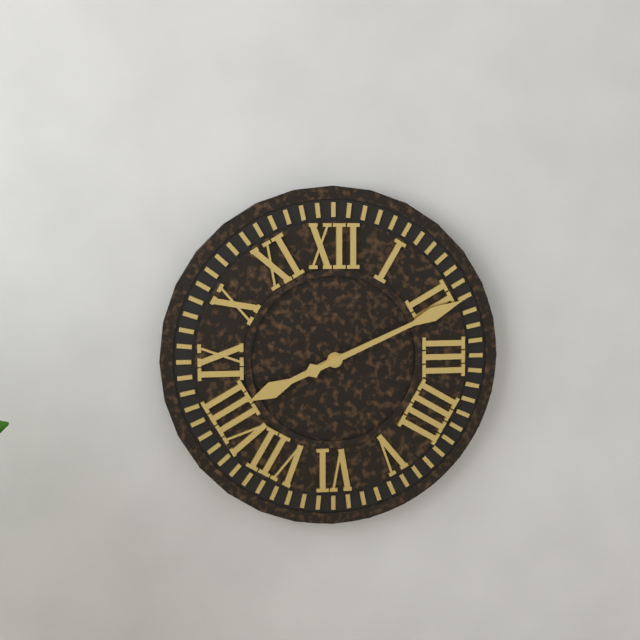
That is h=8 m=11
